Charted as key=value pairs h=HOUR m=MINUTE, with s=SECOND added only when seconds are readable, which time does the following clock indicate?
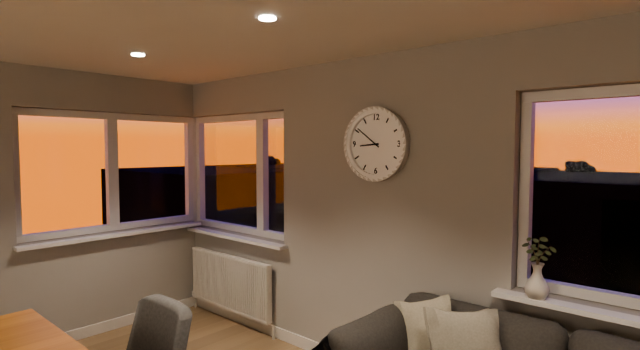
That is h=8 m=51
